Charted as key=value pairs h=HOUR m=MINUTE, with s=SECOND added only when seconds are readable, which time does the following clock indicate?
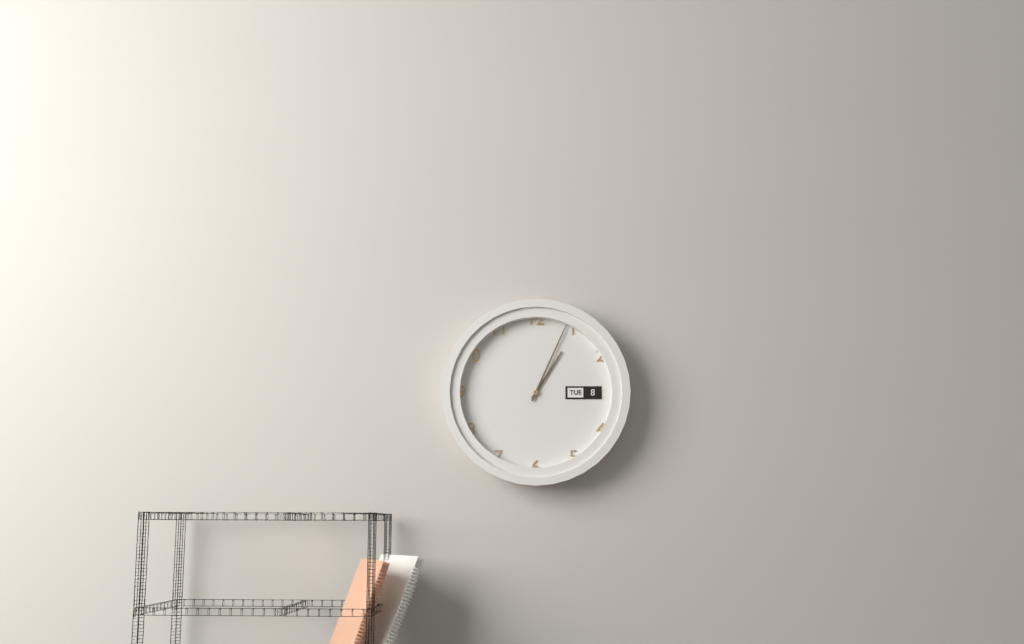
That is h=1 m=4
